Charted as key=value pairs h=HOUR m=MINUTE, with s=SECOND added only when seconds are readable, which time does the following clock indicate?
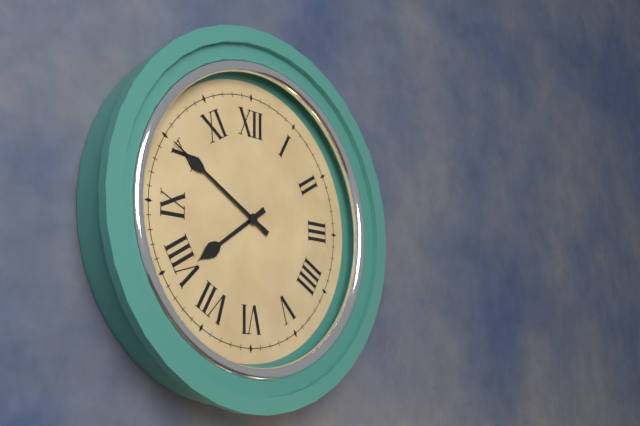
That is h=7 m=50
